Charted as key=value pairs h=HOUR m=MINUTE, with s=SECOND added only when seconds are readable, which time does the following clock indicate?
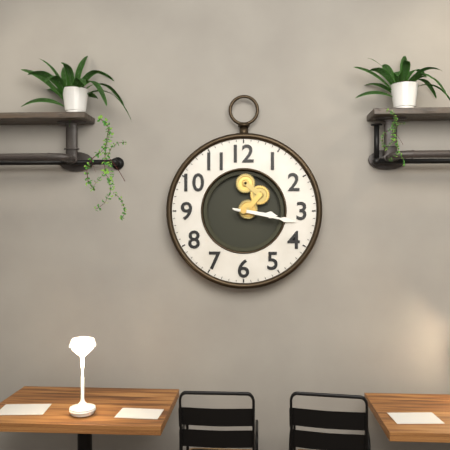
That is h=3 m=17
